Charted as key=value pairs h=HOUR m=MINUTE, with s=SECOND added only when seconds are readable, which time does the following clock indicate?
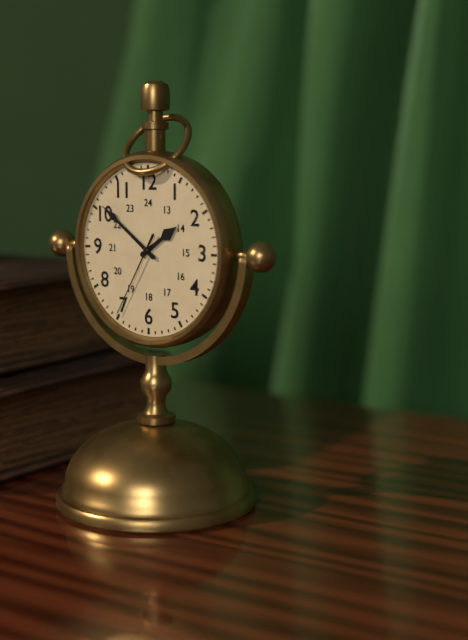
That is h=1 m=51 s=35
